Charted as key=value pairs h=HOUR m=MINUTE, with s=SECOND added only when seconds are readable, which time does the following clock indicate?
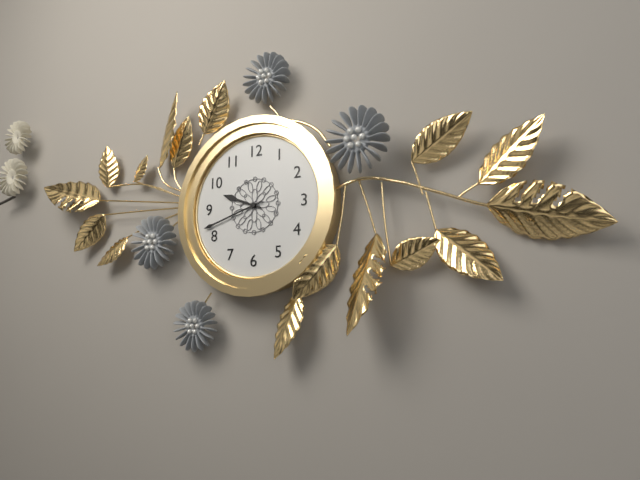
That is h=9 m=42
